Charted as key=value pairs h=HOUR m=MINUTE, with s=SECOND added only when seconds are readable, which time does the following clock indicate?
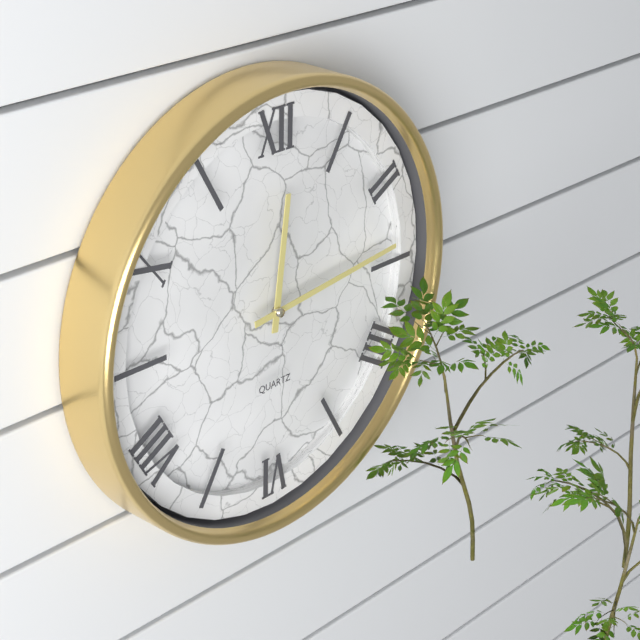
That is h=12 m=14
